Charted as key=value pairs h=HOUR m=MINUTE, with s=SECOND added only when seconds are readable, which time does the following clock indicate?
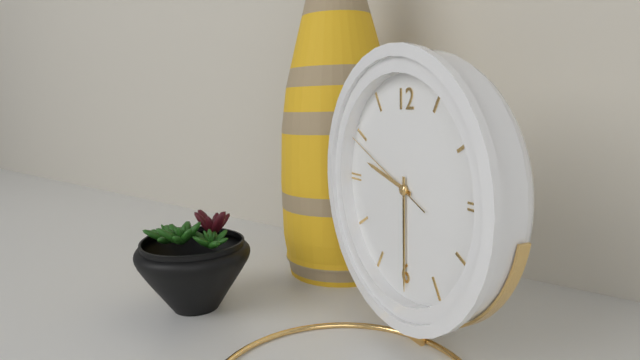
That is h=9 m=30 s=49
